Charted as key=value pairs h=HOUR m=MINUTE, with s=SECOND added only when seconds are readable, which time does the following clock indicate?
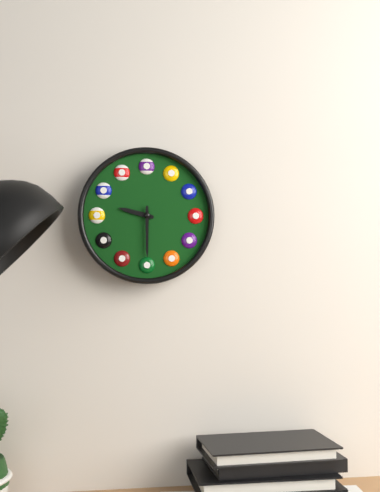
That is h=9 m=30
